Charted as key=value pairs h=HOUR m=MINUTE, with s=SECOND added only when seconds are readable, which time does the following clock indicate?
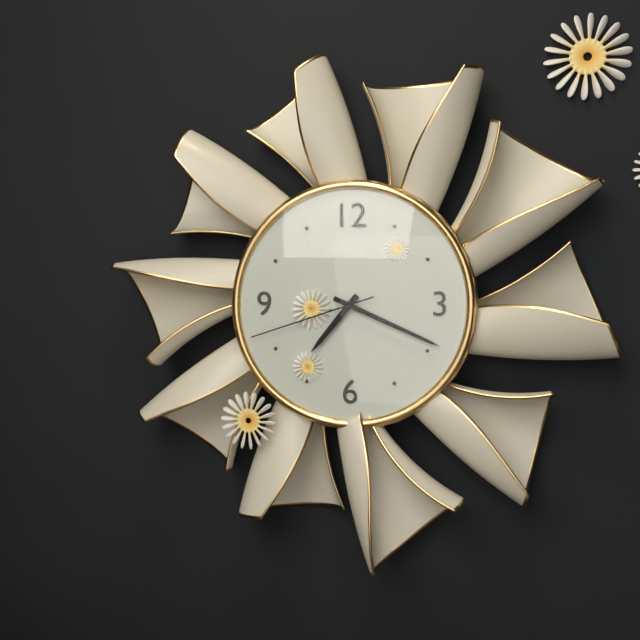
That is h=7 m=19 s=42
